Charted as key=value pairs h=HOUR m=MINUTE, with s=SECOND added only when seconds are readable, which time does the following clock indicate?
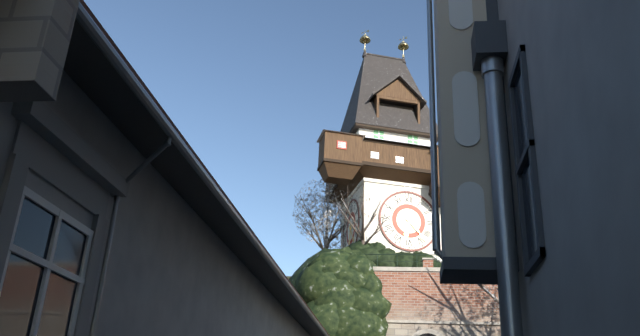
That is h=6 m=23
